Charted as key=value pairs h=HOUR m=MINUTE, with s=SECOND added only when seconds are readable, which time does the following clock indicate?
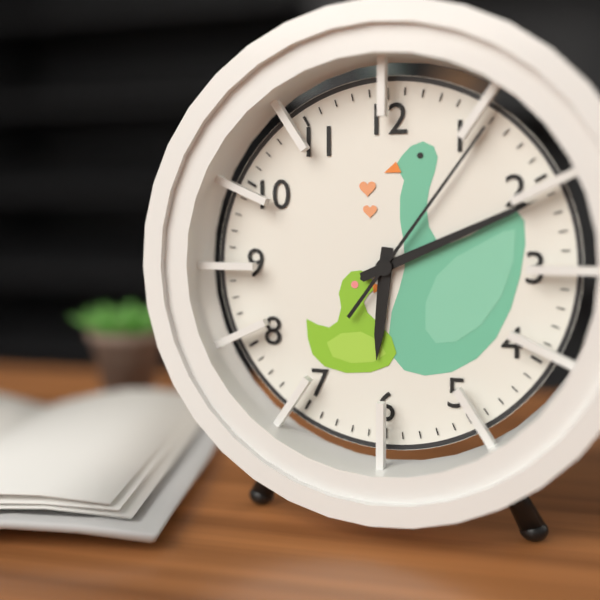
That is h=6 m=11 s=6
